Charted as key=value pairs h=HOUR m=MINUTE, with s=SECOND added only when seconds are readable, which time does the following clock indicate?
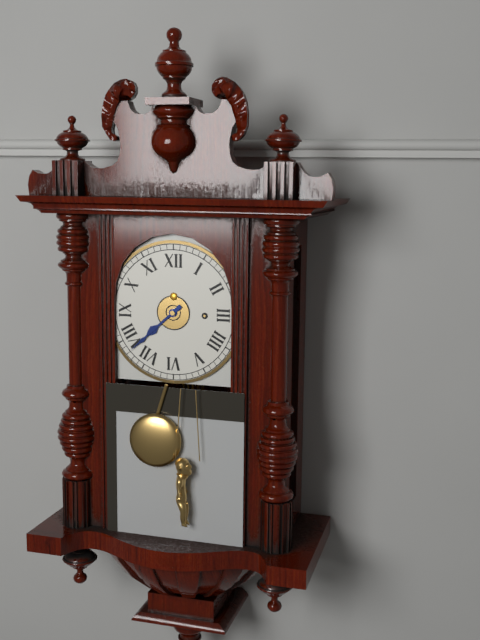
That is h=7 m=38
